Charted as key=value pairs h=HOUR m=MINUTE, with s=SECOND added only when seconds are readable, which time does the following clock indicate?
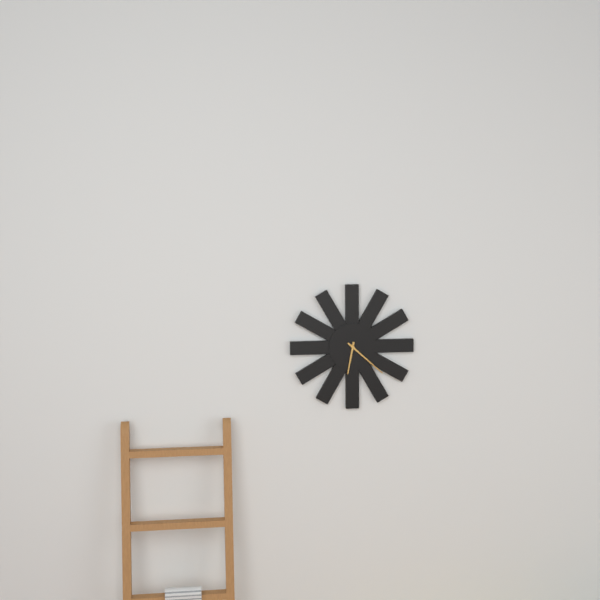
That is h=6 m=22
